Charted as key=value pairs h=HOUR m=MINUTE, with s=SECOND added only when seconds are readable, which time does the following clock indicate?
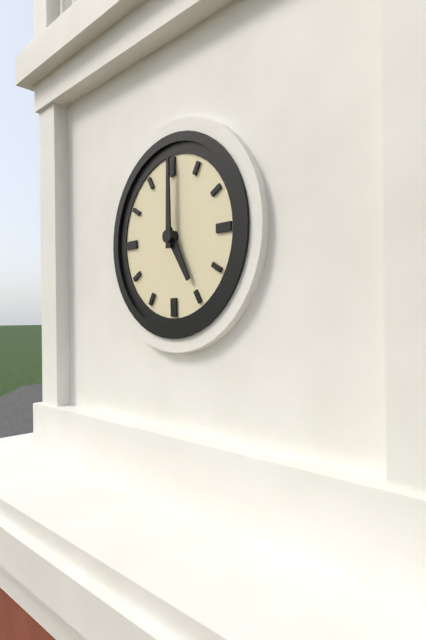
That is h=5 m=0
